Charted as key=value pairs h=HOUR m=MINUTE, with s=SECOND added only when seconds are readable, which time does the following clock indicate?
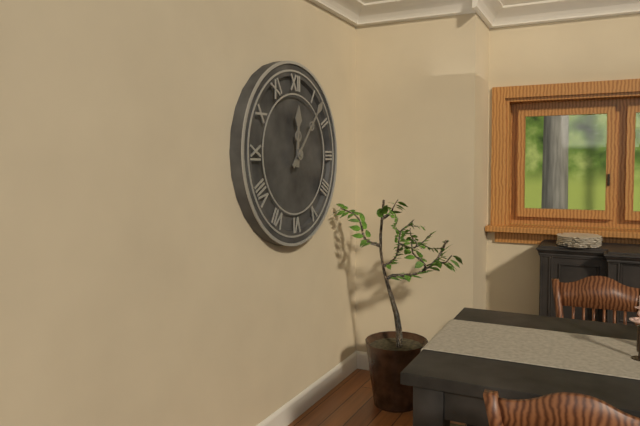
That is h=12 m=7
